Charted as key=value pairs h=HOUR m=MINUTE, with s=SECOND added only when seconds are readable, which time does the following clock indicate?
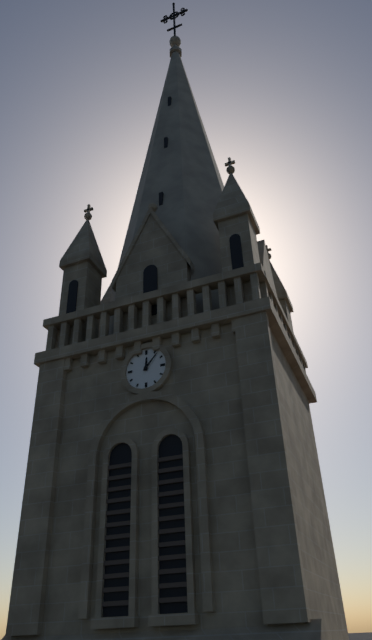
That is h=12 m=7
